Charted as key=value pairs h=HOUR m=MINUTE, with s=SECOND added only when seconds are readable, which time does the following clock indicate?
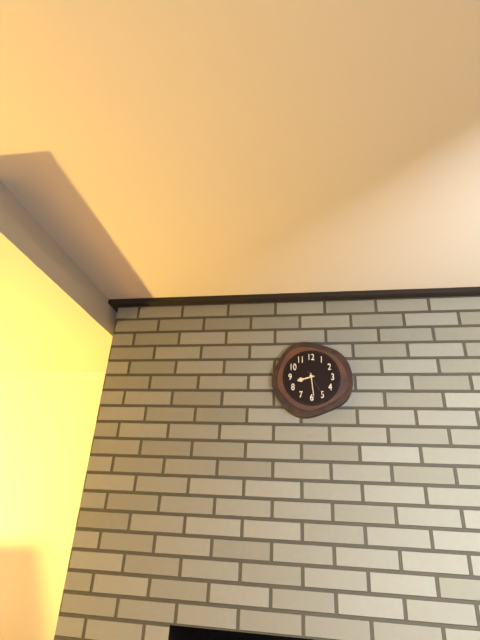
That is h=8 m=29
